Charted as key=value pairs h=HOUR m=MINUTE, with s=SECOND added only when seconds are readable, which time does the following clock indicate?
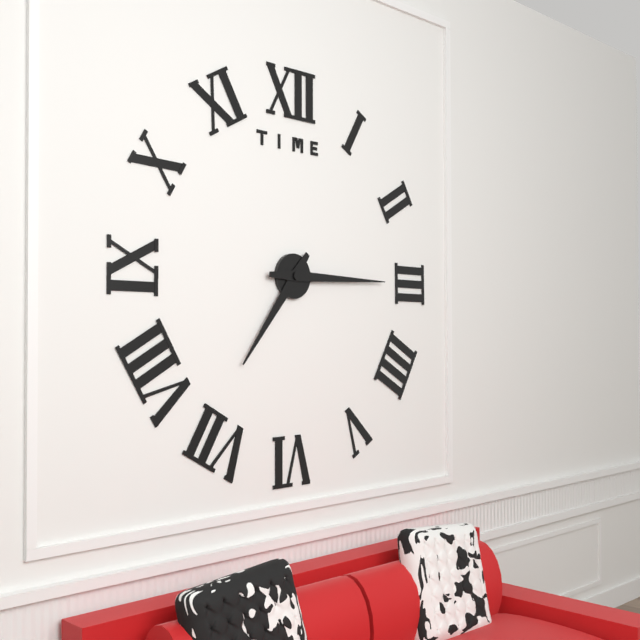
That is h=7 m=15
